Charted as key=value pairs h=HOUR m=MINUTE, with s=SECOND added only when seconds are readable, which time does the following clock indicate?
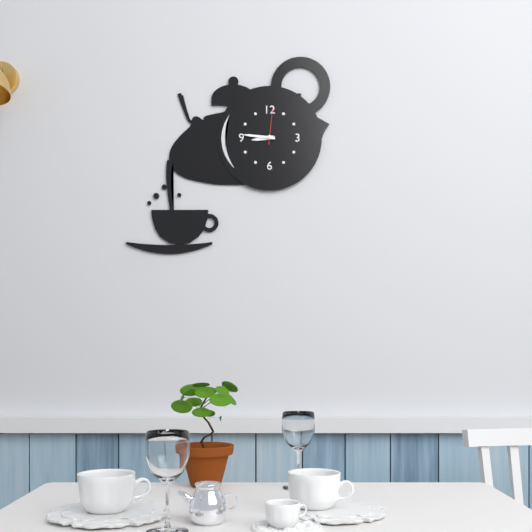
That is h=8 m=46
